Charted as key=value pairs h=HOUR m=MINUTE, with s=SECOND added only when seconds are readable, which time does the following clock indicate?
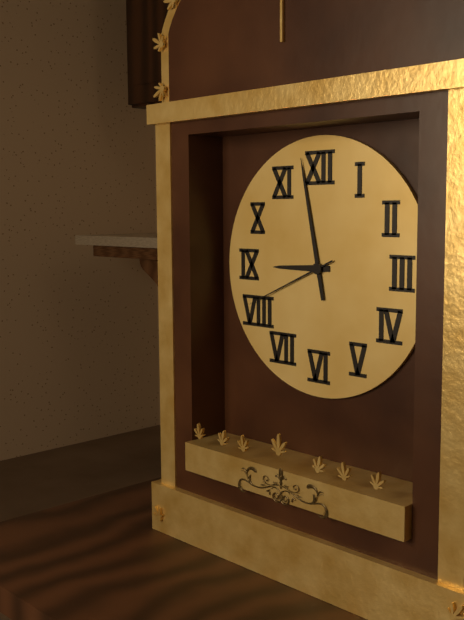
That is h=8 m=58 s=41
